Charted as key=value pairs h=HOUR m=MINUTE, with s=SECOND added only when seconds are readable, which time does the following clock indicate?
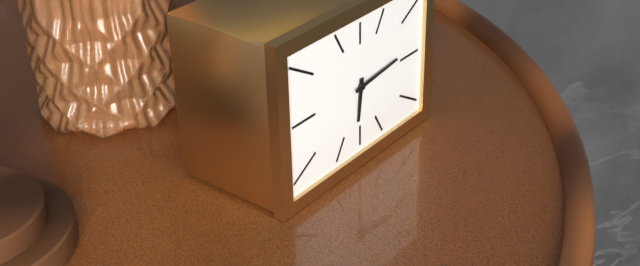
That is h=6 m=14
